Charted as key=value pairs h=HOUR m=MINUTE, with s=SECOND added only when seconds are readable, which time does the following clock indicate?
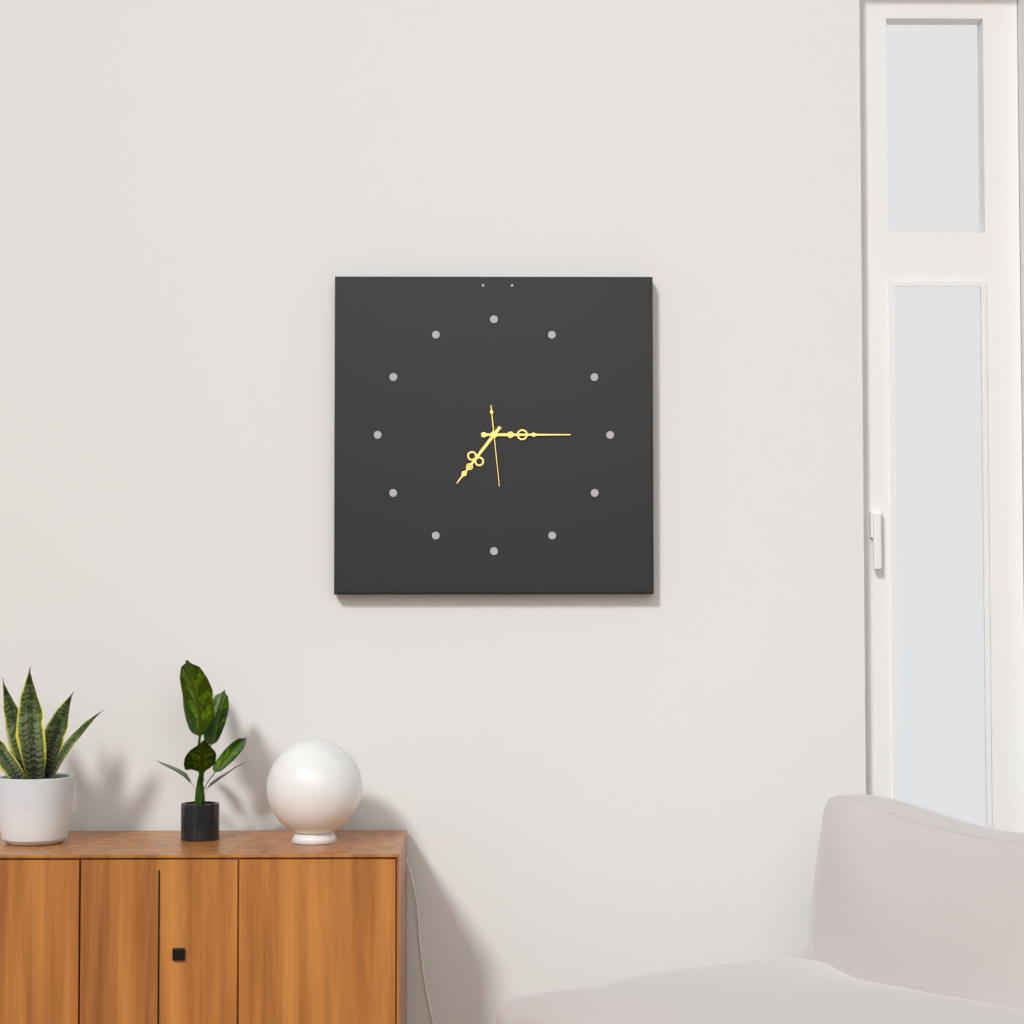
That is h=7 m=15 s=29
